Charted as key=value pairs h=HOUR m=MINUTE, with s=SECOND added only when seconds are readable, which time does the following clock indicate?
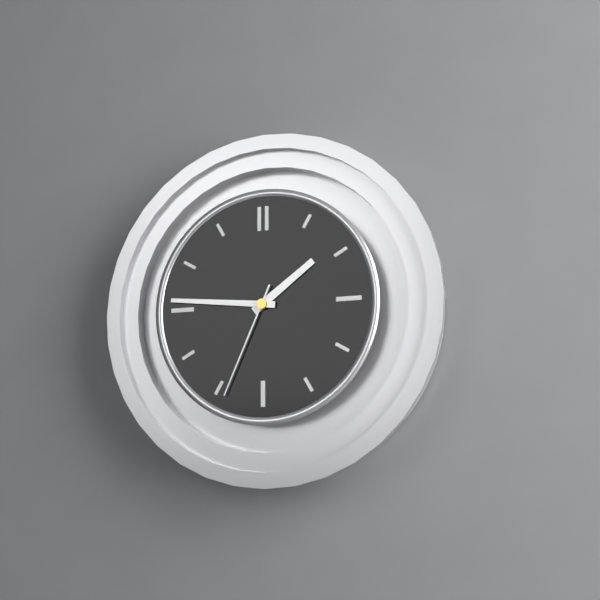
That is h=1 m=46 s=34
